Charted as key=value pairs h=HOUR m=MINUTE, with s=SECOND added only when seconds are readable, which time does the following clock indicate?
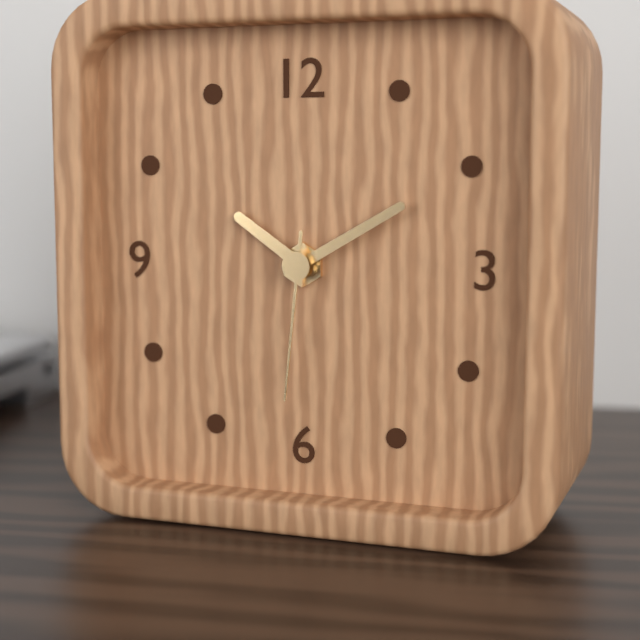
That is h=10 m=10 s=31
